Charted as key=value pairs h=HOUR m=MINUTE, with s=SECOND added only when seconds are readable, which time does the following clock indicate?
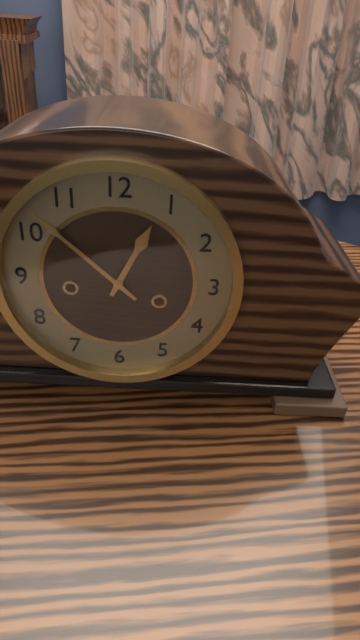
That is h=12 m=52
